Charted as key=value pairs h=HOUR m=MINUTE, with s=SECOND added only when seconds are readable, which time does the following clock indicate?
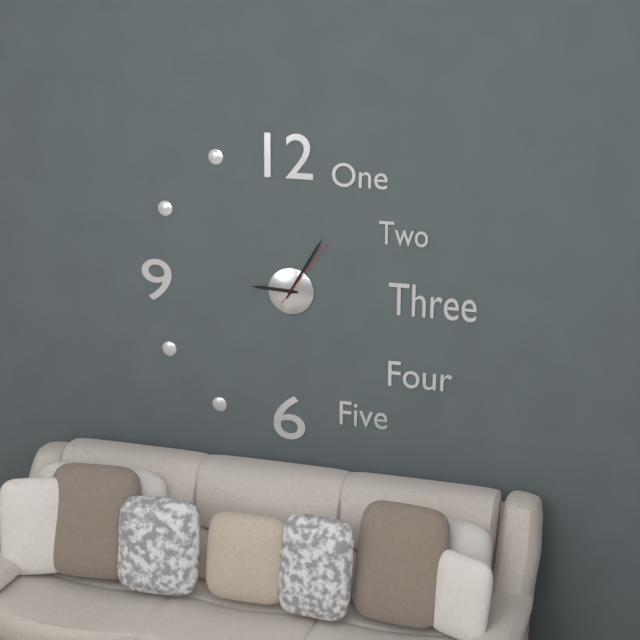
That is h=9 m=5 s=6
